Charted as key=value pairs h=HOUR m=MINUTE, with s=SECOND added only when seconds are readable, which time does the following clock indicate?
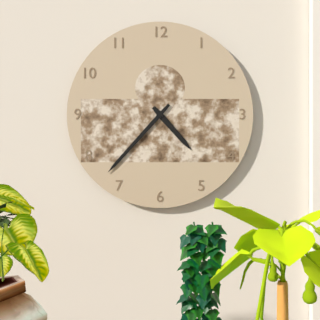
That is h=4 m=37
